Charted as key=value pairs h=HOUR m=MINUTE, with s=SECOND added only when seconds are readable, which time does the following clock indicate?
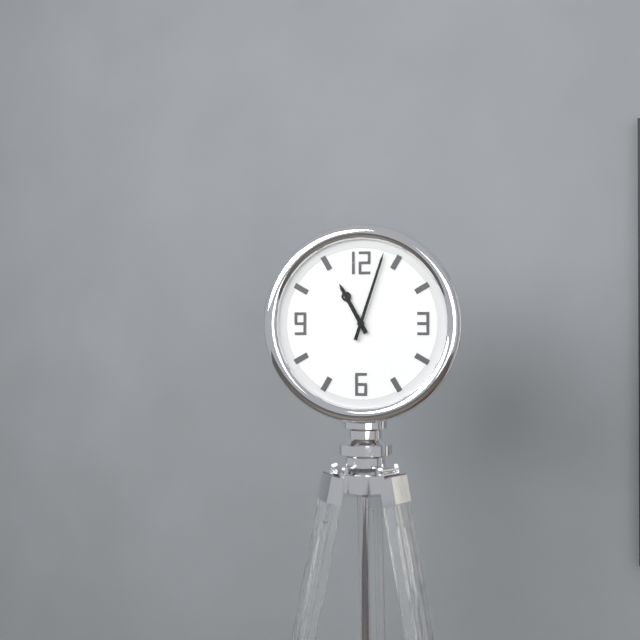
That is h=11 m=3
